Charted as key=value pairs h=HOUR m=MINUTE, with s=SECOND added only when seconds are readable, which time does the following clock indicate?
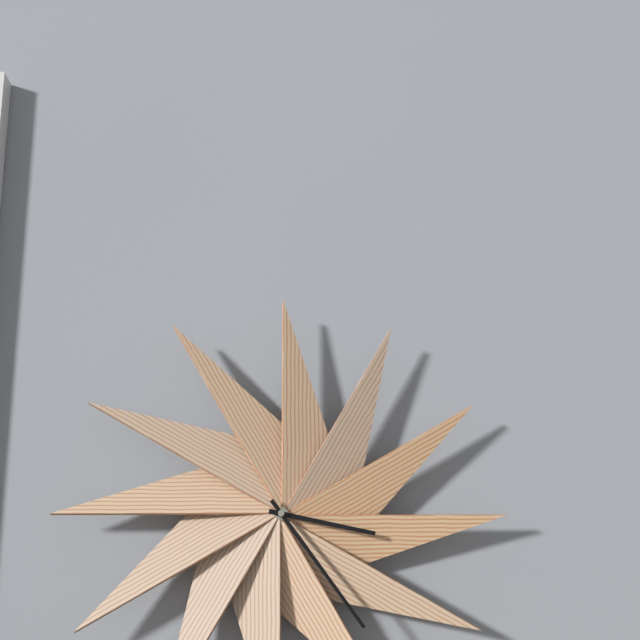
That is h=3 m=24
